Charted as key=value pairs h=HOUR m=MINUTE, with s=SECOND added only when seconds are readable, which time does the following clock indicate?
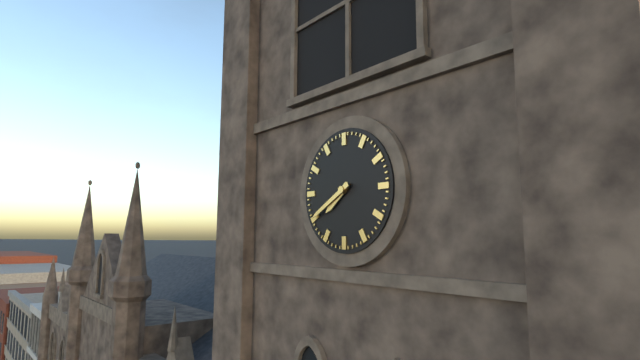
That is h=7 m=40
